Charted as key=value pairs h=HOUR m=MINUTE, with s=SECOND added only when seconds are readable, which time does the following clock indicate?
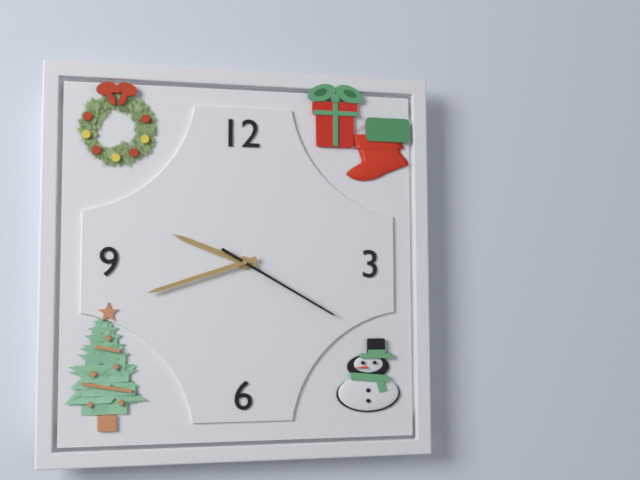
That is h=9 m=42 s=20
